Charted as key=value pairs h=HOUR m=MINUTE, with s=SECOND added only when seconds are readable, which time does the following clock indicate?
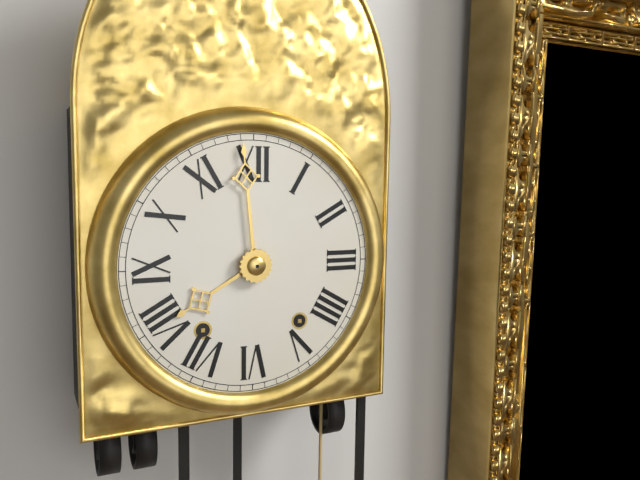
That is h=7 m=59
